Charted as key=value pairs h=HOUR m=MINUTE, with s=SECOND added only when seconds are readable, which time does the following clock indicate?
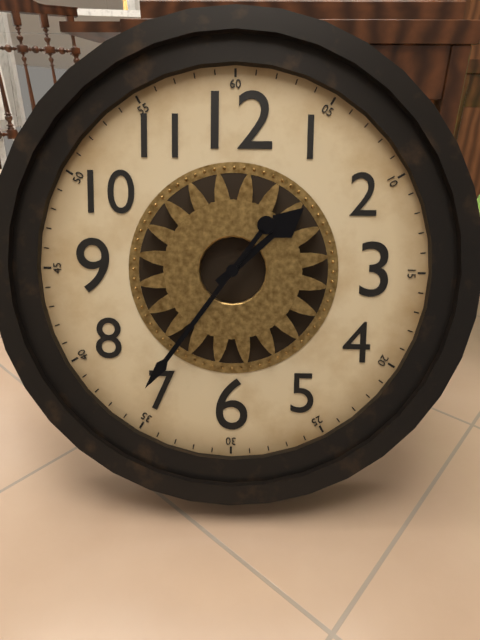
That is h=1 m=36
